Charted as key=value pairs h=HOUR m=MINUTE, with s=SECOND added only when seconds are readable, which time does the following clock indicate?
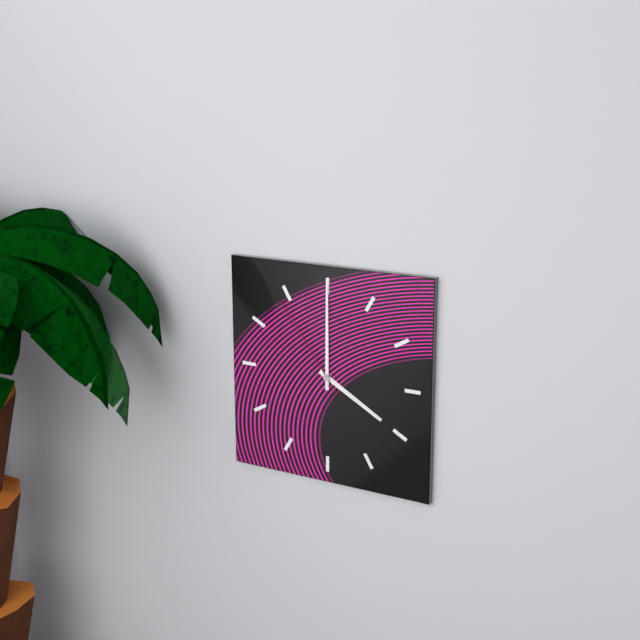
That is h=4 m=0 s=54
